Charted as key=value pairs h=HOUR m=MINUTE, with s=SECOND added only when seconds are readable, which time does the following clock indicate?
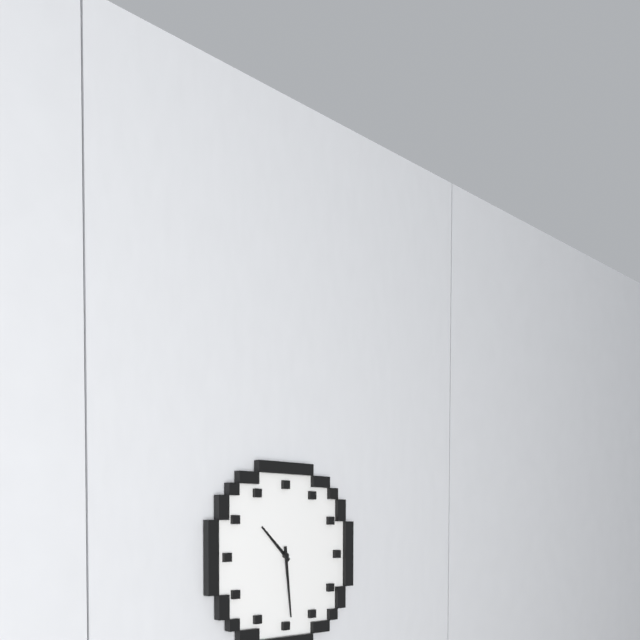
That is h=10 m=29
